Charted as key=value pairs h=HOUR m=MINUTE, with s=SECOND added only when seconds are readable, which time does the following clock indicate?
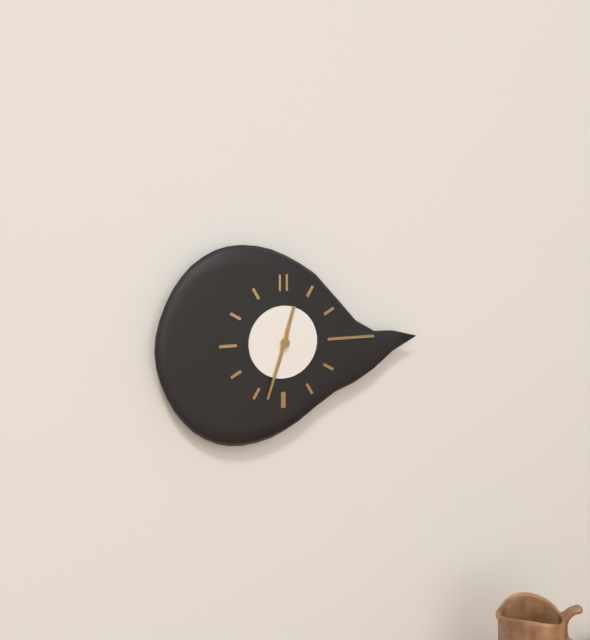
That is h=12 m=33
